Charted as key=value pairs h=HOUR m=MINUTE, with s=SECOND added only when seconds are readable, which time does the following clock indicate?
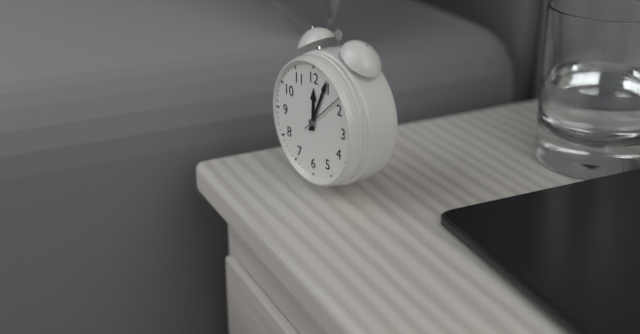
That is h=12 m=4
